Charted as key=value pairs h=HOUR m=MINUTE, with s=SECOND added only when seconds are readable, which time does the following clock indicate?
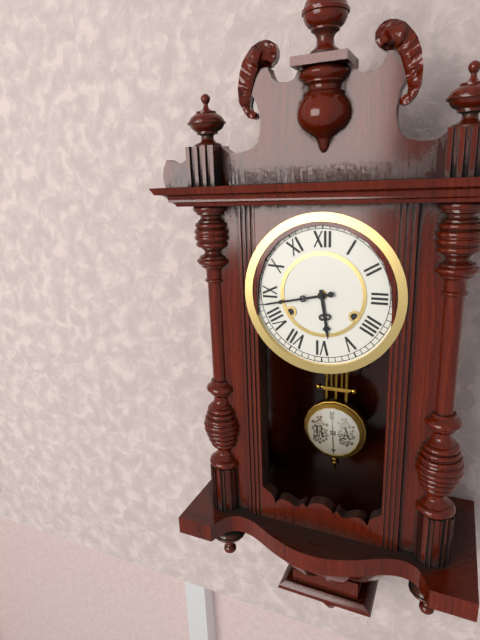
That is h=5 m=43
